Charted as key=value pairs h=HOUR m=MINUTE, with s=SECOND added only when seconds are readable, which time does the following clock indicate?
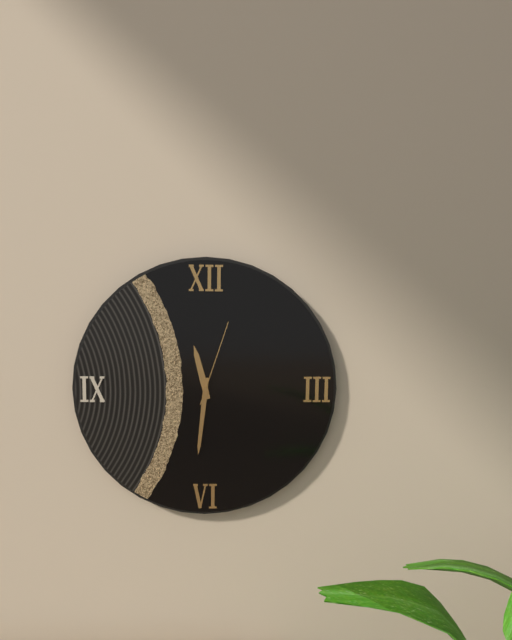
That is h=11 m=31 s=3
